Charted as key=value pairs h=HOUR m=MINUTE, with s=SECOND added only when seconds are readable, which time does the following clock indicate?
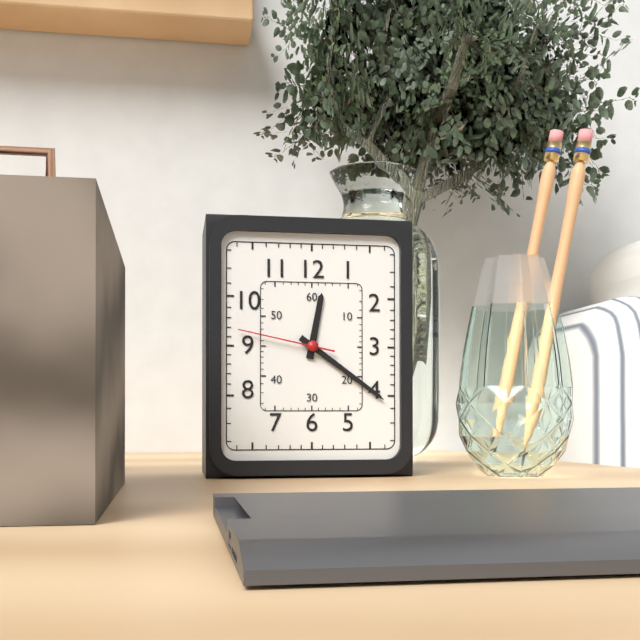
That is h=12 m=21 s=47
